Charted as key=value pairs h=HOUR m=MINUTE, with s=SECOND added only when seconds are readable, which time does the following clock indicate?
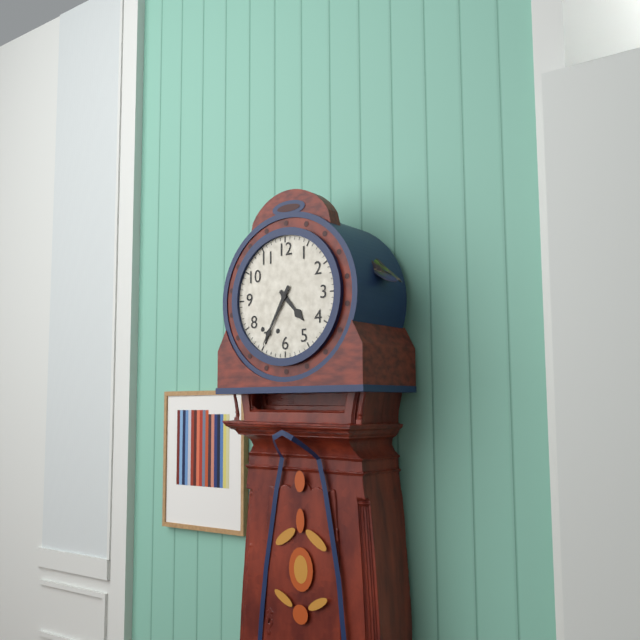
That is h=4 m=35
